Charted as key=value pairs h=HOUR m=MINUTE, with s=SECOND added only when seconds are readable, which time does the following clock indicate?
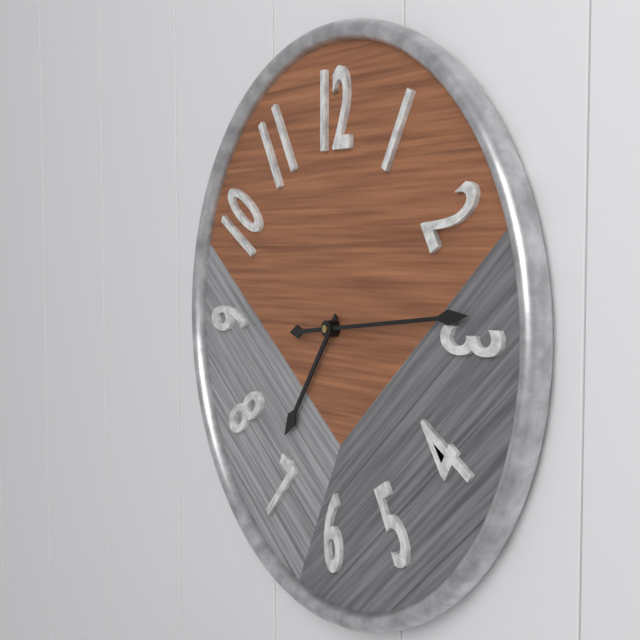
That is h=7 m=14
